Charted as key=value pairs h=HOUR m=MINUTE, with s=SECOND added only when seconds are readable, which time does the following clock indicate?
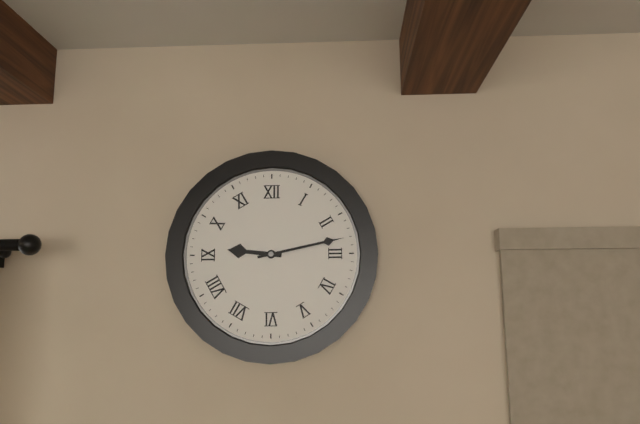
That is h=9 m=13
